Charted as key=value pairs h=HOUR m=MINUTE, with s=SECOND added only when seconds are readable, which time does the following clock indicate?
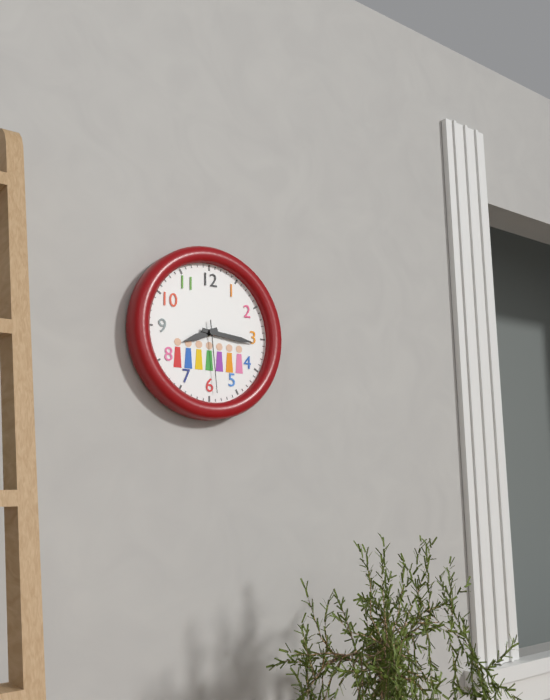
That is h=8 m=16 s=29
